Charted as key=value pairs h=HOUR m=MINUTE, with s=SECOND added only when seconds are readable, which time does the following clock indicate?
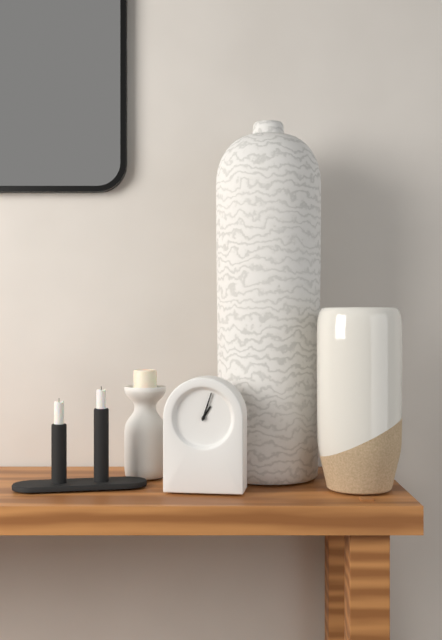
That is h=1 m=3
